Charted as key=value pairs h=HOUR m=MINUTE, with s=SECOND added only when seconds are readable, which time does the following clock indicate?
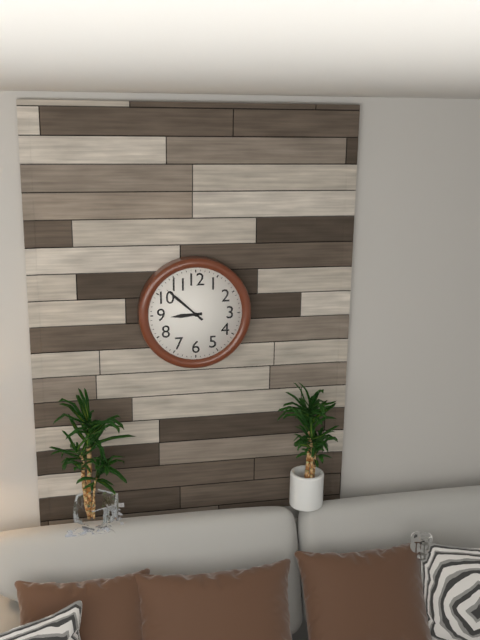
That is h=8 m=52
